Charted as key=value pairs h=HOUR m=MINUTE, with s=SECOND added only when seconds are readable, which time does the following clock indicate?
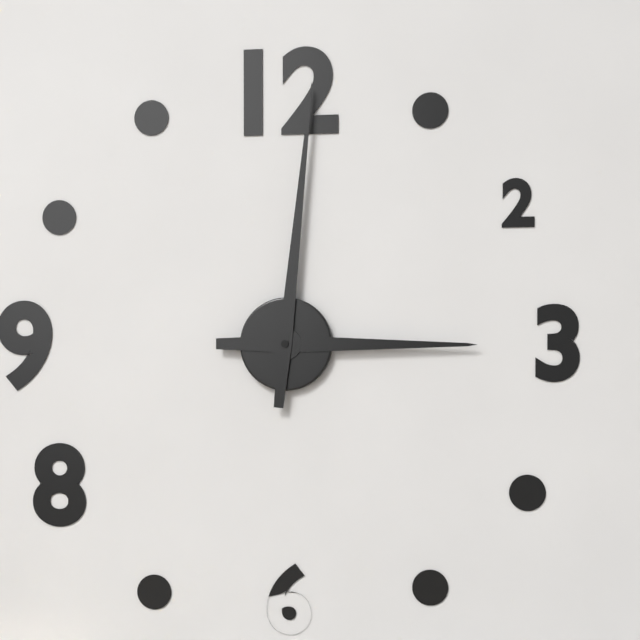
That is h=3 m=1
